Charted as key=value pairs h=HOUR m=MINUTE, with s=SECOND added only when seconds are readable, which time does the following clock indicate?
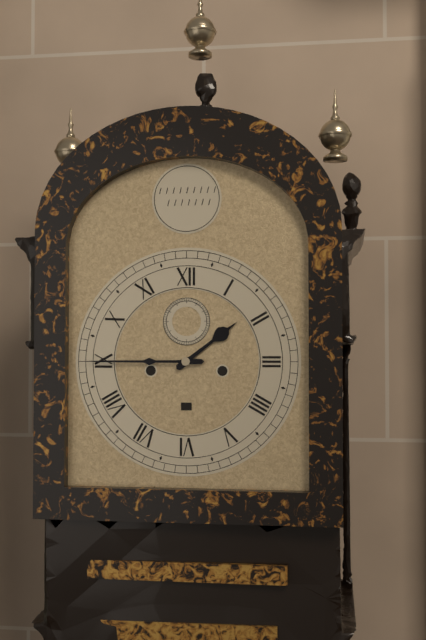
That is h=1 m=45
